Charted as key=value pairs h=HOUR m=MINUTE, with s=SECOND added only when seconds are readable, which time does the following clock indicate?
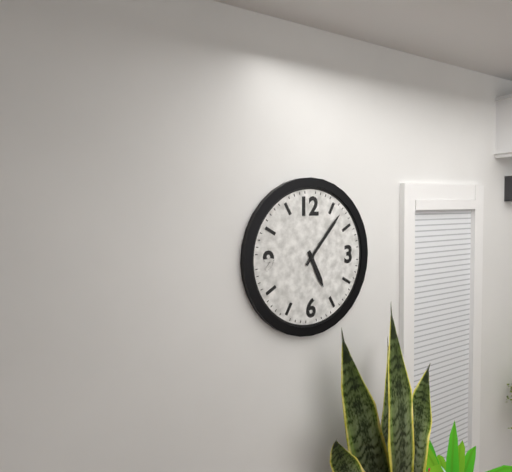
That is h=5 m=7
